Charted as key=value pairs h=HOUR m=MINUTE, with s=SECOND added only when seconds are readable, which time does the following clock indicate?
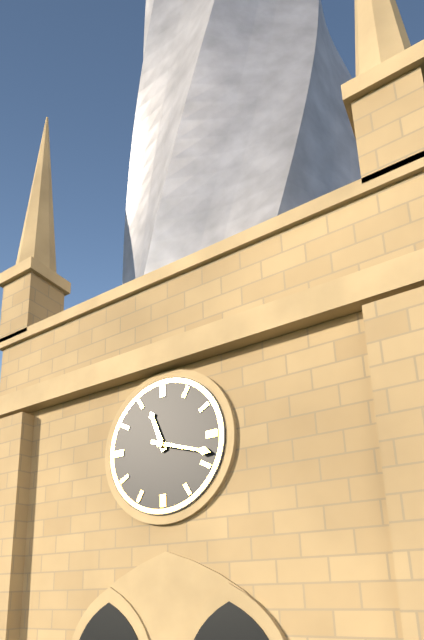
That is h=11 m=18
